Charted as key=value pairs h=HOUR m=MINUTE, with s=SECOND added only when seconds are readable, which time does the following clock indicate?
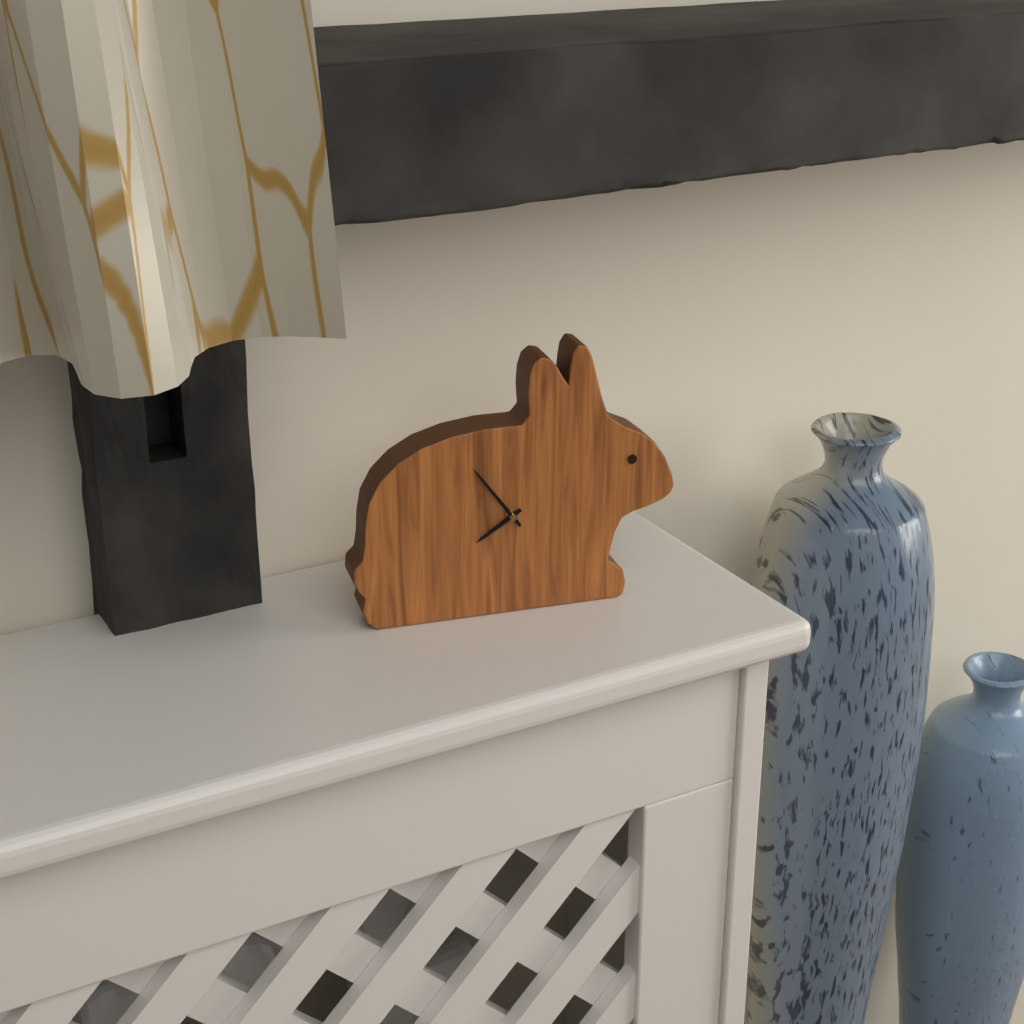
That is h=7 m=54
